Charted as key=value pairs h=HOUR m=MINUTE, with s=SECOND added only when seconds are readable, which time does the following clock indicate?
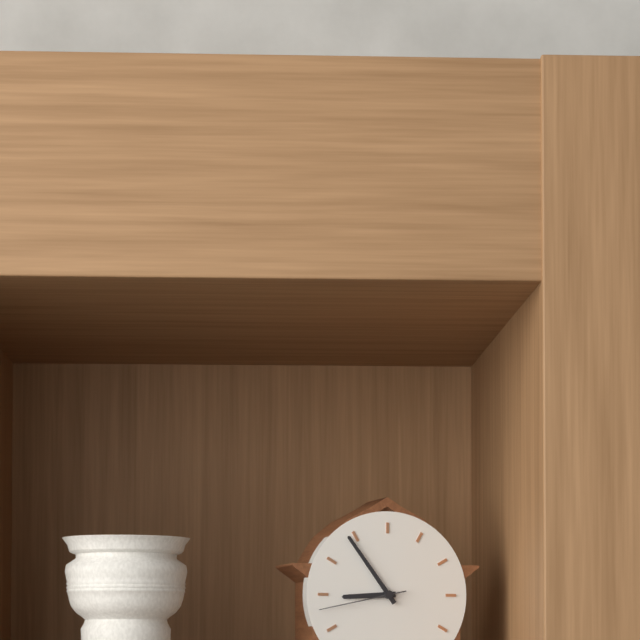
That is h=8 m=54 s=43
